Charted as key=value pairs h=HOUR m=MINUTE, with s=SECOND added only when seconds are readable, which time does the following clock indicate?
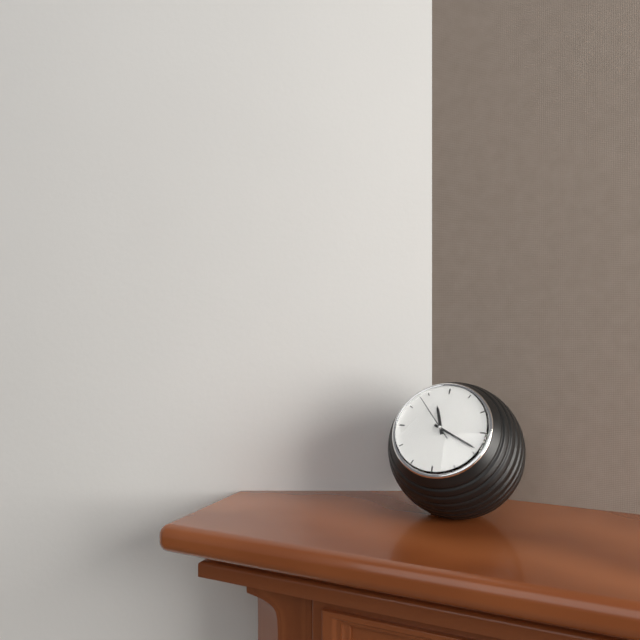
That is h=11 m=19 s=53
